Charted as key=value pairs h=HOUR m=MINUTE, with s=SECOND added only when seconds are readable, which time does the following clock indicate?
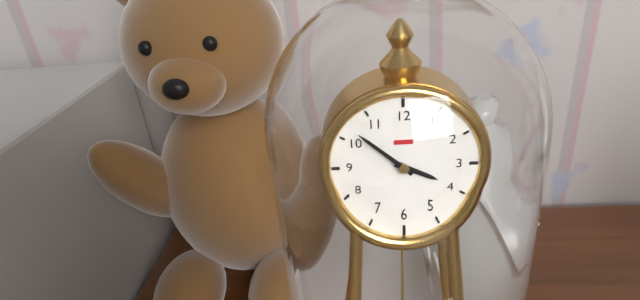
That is h=3 m=52
